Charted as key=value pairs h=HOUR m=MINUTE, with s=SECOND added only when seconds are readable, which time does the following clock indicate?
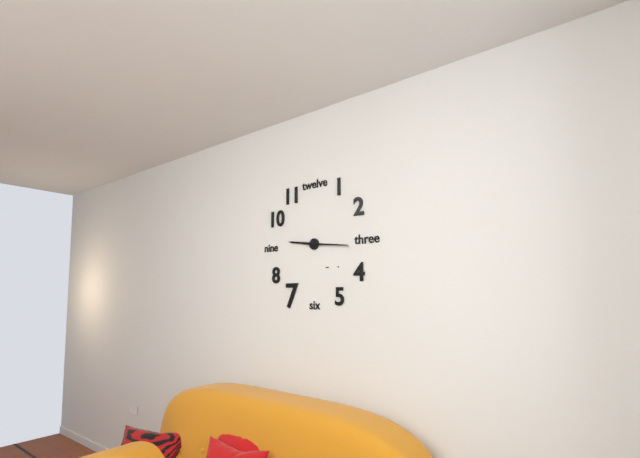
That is h=9 m=16
